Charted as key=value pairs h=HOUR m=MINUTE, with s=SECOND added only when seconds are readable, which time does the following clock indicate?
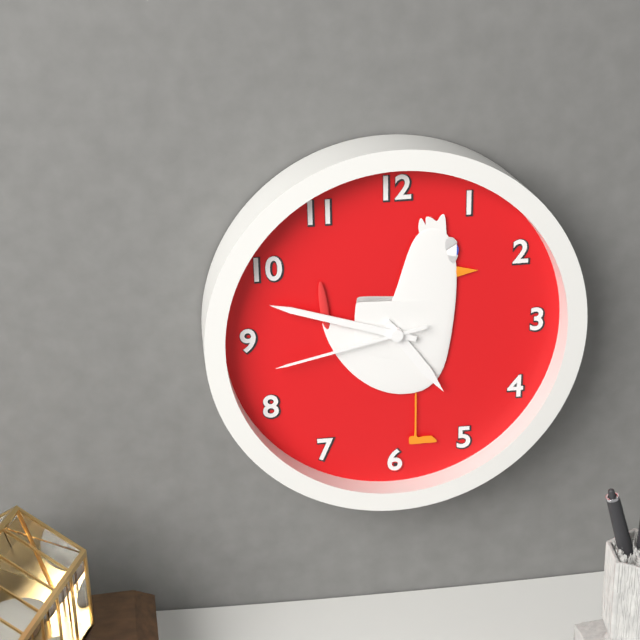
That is h=4 m=48 s=43
